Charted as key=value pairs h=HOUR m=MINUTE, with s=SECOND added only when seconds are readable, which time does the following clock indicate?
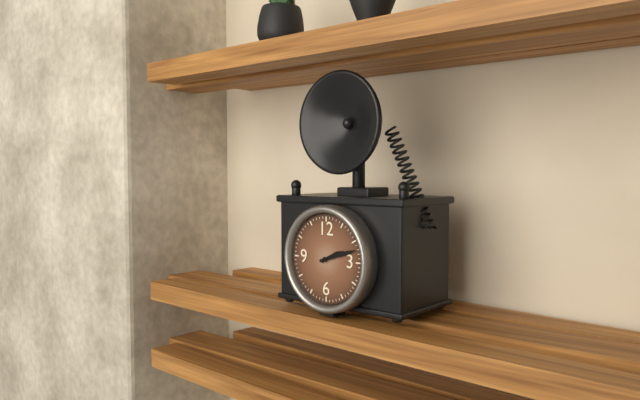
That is h=2 m=12
